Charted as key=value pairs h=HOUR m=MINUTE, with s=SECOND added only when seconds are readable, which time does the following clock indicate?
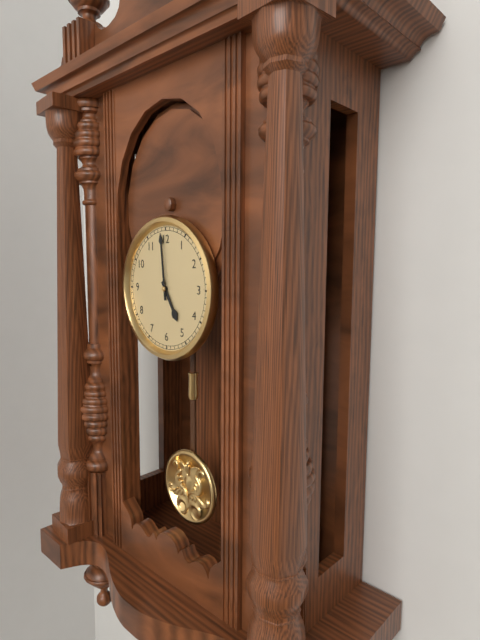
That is h=4 m=59
